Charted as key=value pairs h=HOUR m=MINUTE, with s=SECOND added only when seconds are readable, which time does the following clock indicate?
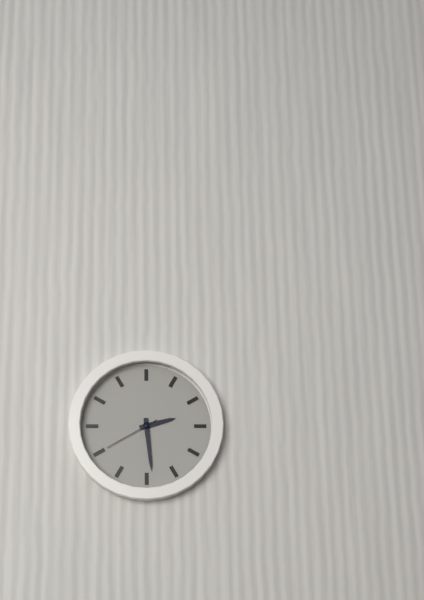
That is h=2 m=29 s=40
